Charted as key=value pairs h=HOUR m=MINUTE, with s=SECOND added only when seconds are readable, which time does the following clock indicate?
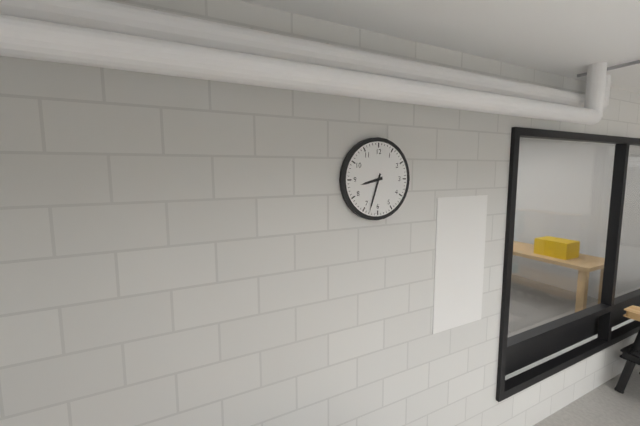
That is h=8 m=33
